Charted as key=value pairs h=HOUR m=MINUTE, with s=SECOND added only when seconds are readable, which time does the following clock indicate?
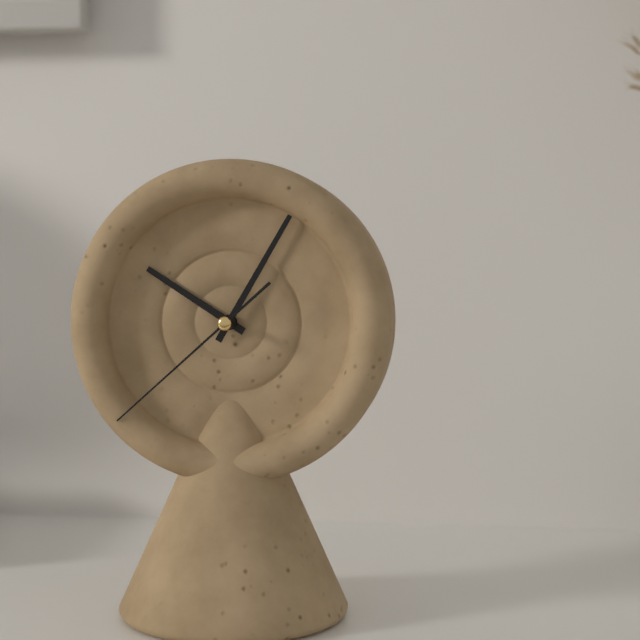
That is h=10 m=5 s=38
